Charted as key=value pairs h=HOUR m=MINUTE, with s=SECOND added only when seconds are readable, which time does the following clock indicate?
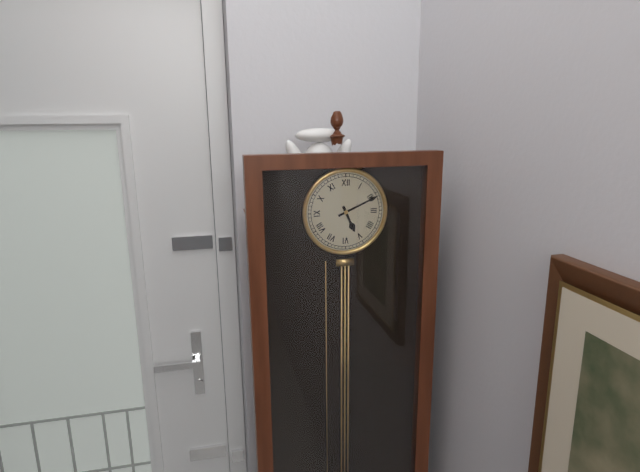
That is h=5 m=11
